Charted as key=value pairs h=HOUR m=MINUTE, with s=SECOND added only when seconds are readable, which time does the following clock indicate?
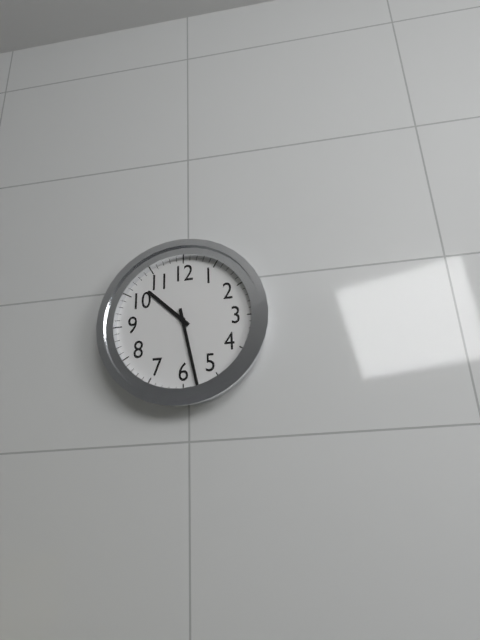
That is h=10 m=28
